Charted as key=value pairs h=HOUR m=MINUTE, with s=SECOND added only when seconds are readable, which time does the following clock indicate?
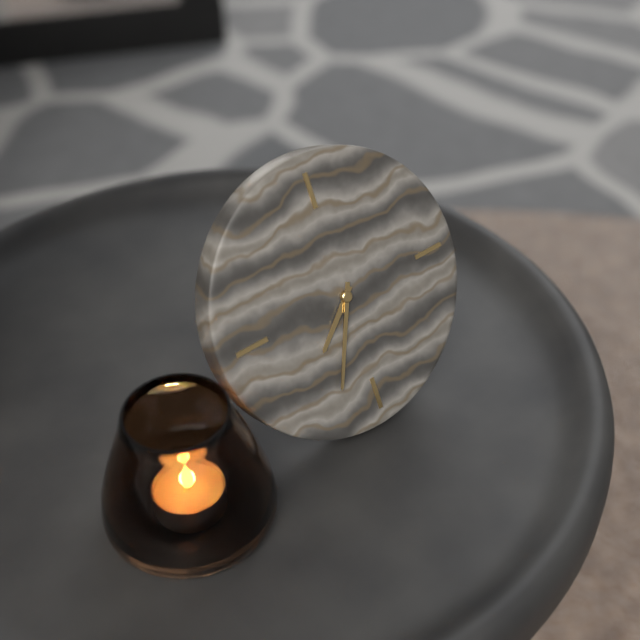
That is h=7 m=34
